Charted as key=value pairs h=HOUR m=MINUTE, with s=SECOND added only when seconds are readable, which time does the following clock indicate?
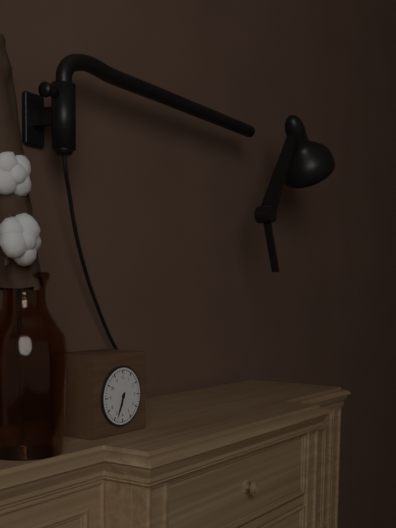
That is h=6 m=34
